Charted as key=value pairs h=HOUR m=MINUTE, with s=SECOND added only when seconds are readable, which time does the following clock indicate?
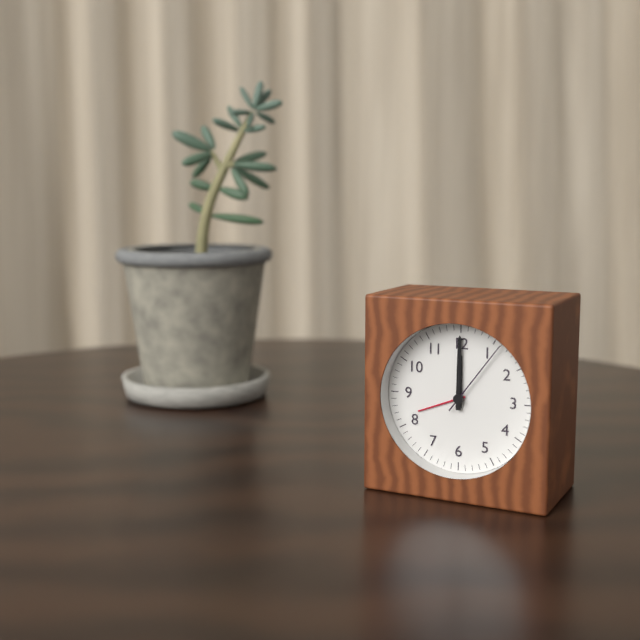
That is h=12 m=0 s=6
